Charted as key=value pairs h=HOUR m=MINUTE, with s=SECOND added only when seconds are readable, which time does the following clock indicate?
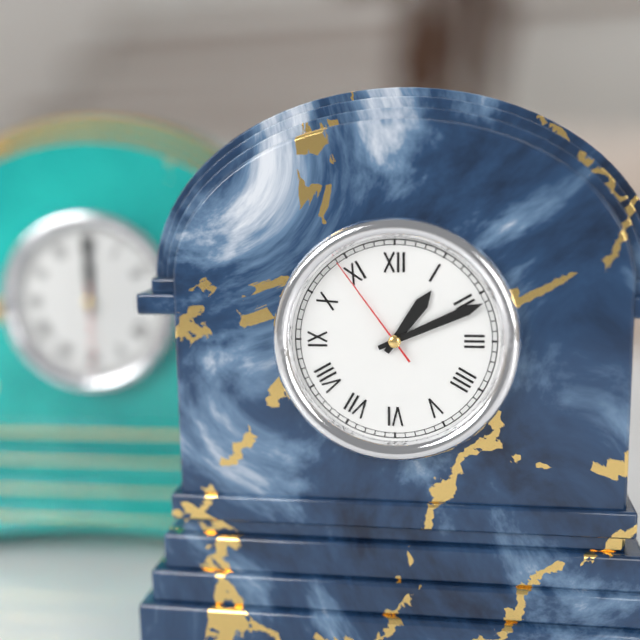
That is h=1 m=11 s=54
